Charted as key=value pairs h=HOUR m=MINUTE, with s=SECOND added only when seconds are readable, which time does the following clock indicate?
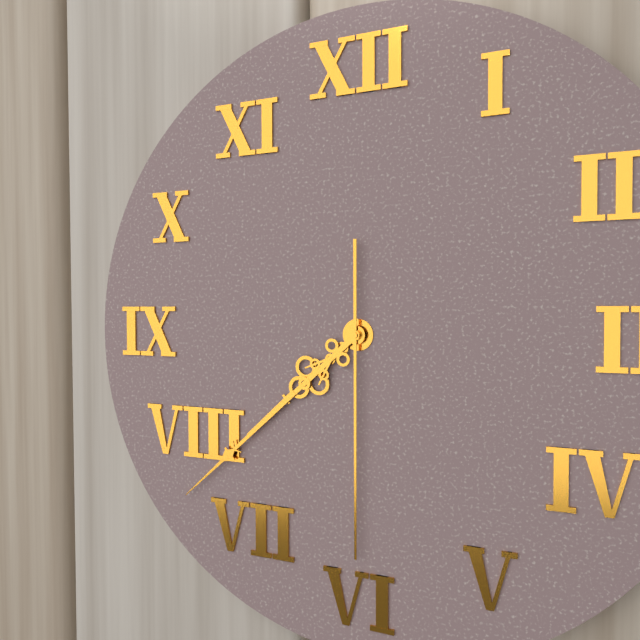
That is h=7 m=38 s=30
